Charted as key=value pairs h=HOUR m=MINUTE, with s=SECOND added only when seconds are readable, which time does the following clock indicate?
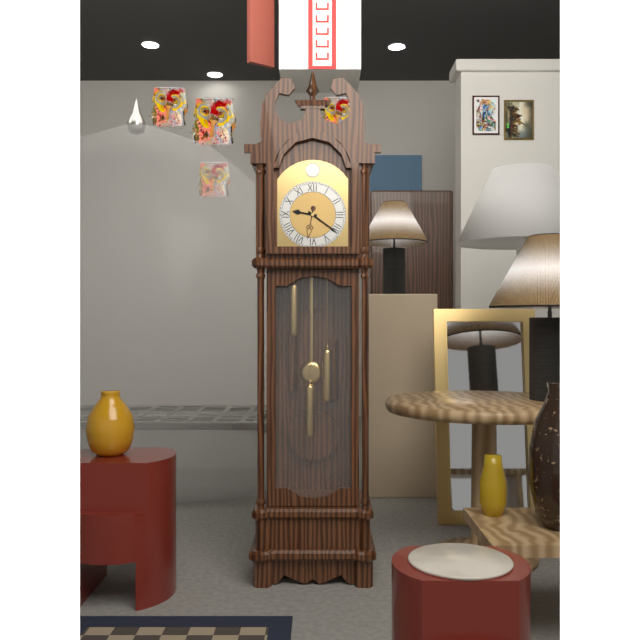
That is h=9 m=21
